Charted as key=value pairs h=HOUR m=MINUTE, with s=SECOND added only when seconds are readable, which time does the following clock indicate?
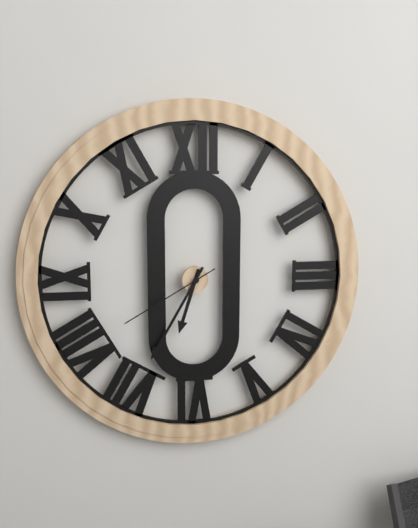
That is h=6 m=35 s=40
